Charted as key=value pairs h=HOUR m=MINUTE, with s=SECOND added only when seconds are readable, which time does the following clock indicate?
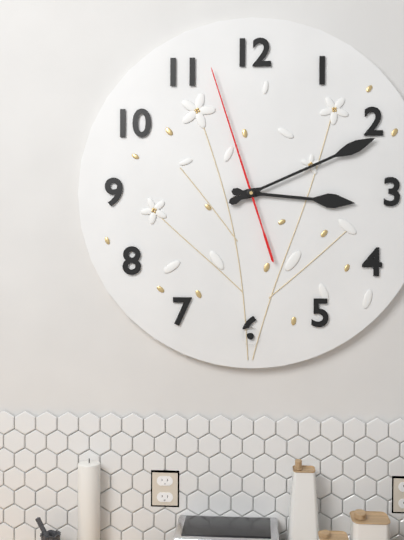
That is h=3 m=11 s=57
